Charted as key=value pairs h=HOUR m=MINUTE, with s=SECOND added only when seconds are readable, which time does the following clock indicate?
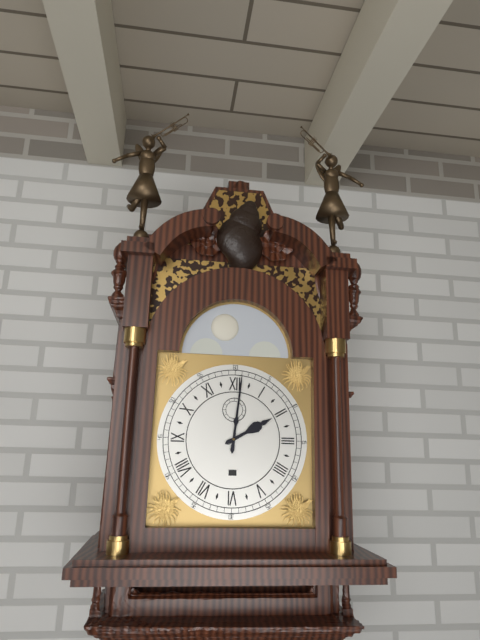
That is h=2 m=1
